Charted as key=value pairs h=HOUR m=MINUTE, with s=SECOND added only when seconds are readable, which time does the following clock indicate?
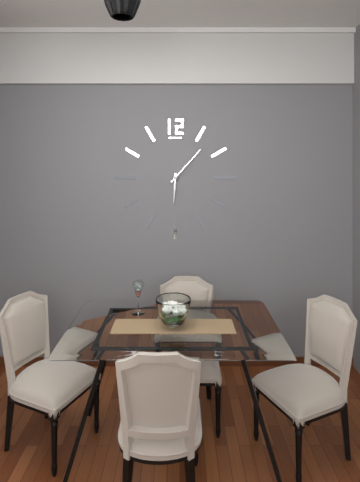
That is h=6 m=7
